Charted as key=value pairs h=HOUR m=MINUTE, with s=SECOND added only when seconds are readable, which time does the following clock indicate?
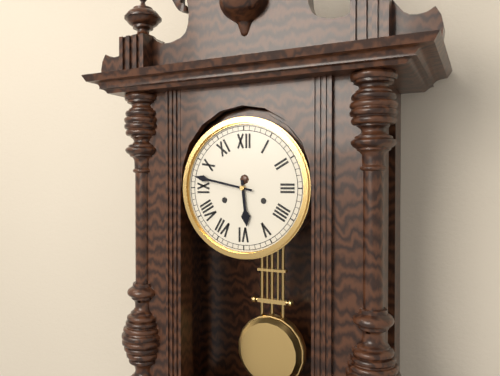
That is h=5 m=47
